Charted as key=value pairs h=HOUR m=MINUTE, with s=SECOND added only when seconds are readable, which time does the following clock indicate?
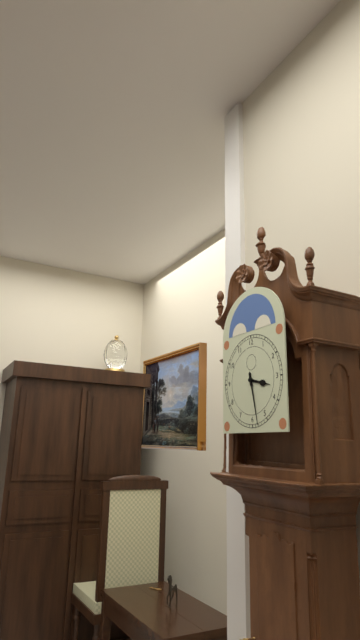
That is h=3 m=28
